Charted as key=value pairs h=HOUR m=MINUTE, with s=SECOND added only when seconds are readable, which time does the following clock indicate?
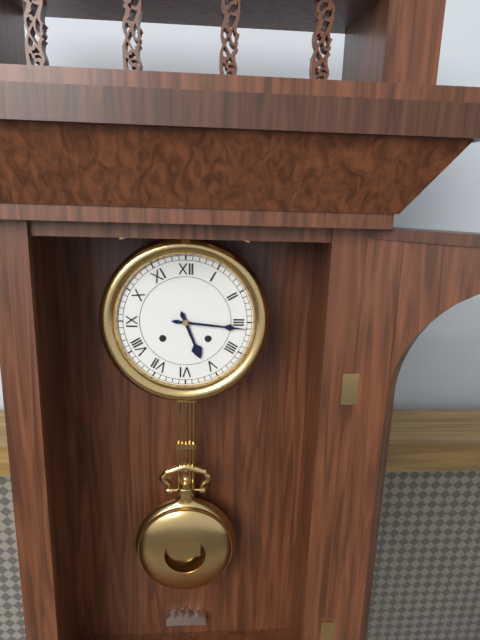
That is h=5 m=16
